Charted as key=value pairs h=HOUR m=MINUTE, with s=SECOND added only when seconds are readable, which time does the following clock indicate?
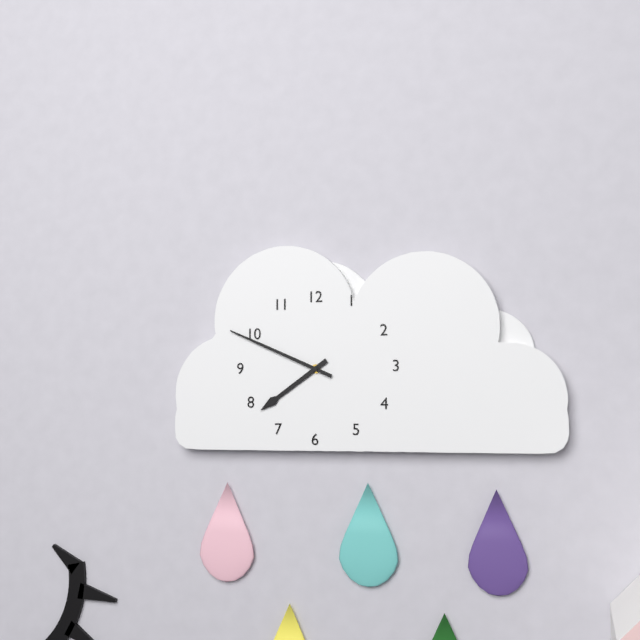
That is h=7 m=49
